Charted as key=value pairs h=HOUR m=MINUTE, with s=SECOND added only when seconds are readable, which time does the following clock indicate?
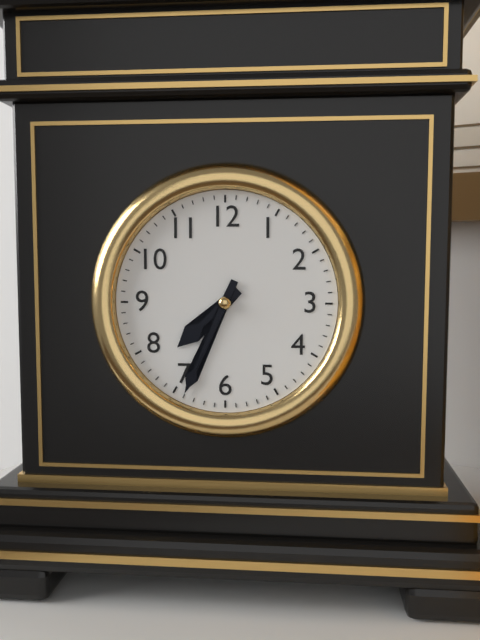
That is h=7 m=34
